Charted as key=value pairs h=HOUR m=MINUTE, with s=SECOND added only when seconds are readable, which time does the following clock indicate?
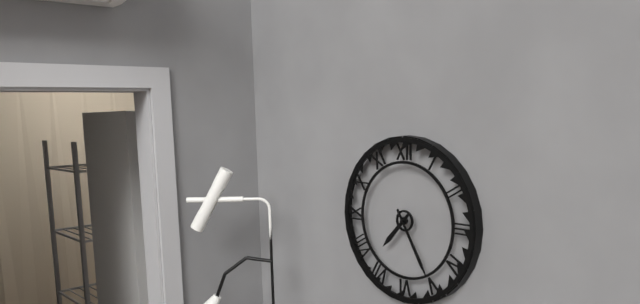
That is h=7 m=25
